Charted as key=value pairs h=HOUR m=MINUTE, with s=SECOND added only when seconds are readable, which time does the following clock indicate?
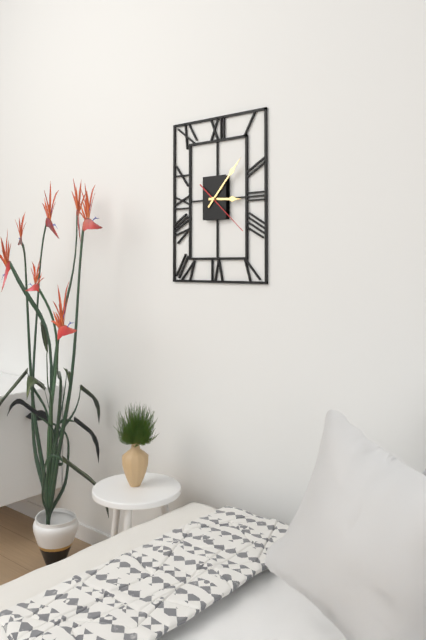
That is h=3 m=7 s=22
